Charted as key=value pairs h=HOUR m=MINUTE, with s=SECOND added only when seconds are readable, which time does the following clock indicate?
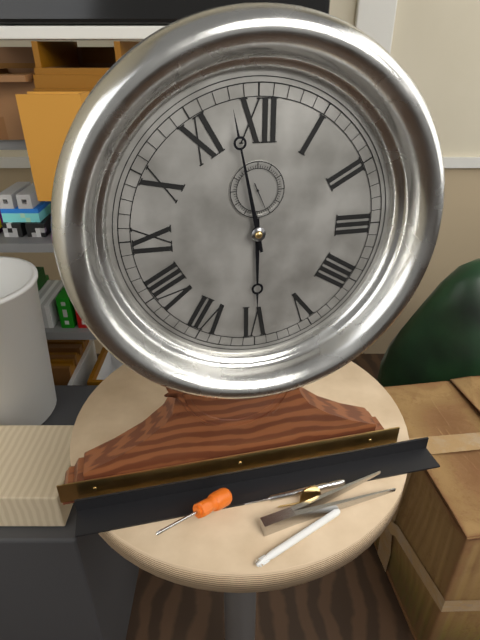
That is h=5 m=58
